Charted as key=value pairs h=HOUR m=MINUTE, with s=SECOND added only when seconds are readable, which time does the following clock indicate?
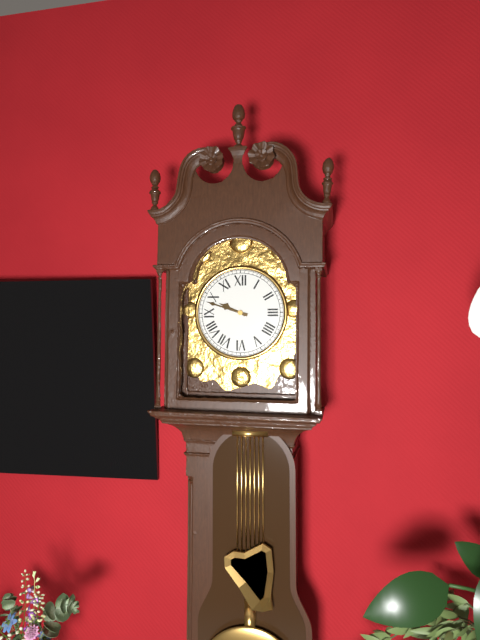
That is h=9 m=48
